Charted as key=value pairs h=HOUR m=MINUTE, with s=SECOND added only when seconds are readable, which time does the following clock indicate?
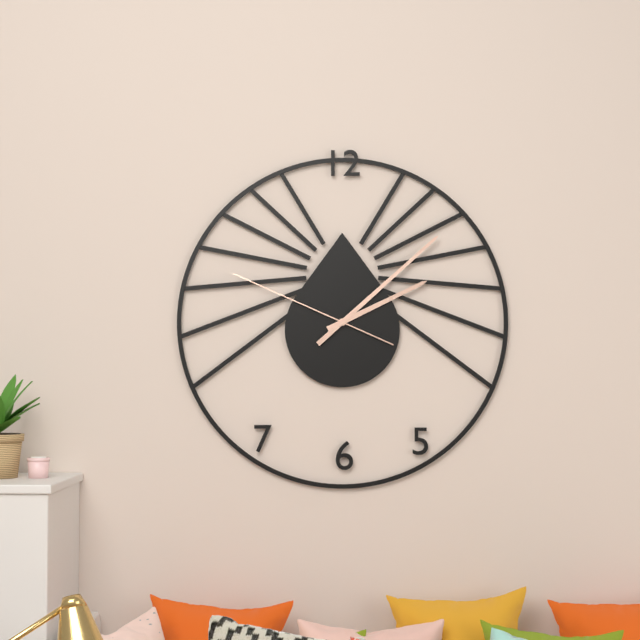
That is h=2 m=8 s=49
